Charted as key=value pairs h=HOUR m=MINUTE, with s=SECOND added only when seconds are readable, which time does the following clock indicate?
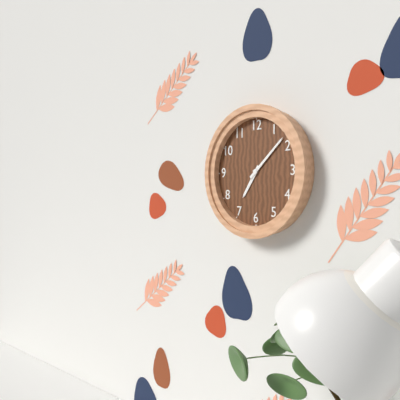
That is h=7 m=8
